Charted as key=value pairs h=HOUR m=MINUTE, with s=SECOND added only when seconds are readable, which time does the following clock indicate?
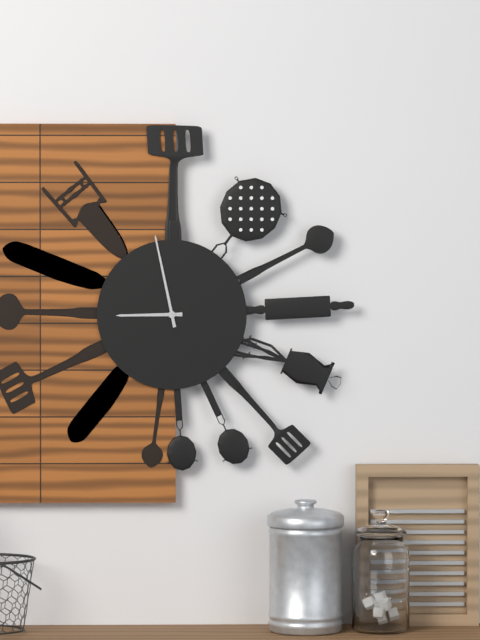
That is h=8 m=58
